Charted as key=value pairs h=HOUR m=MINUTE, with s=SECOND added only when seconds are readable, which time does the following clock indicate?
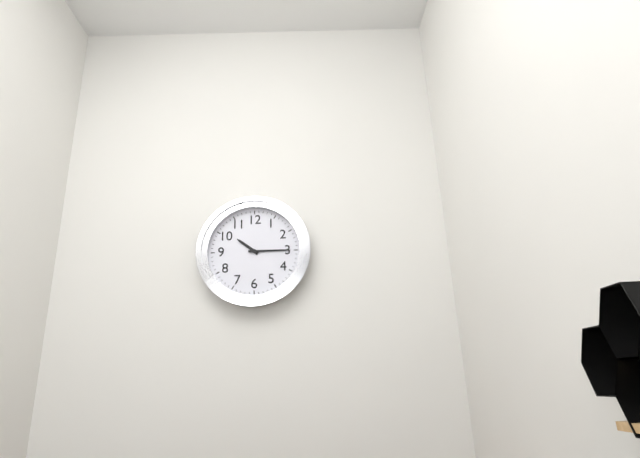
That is h=10 m=15
